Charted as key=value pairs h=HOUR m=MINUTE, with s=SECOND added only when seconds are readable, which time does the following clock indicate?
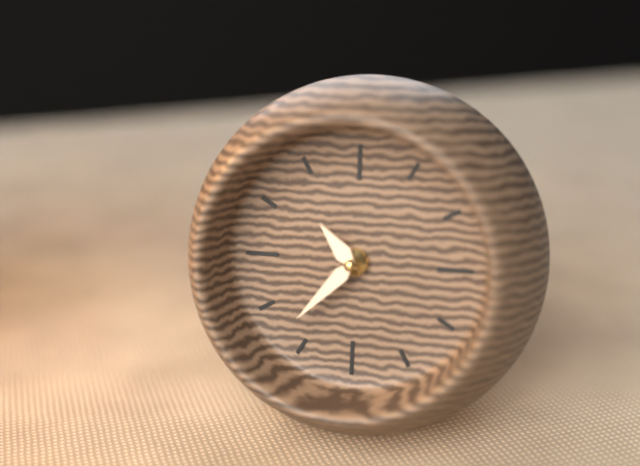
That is h=10 m=37
